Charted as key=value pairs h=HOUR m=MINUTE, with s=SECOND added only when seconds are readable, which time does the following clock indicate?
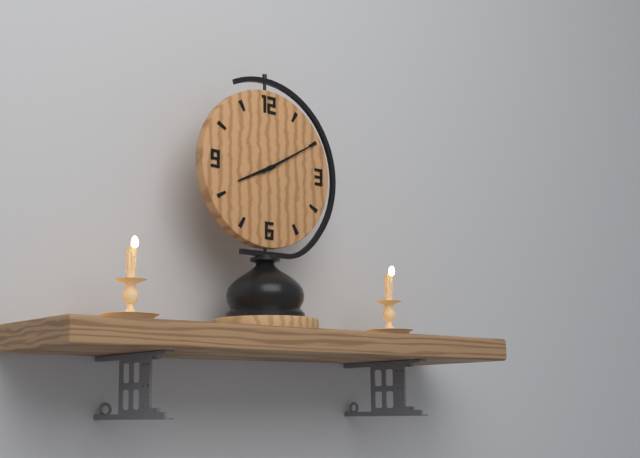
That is h=8 m=10
